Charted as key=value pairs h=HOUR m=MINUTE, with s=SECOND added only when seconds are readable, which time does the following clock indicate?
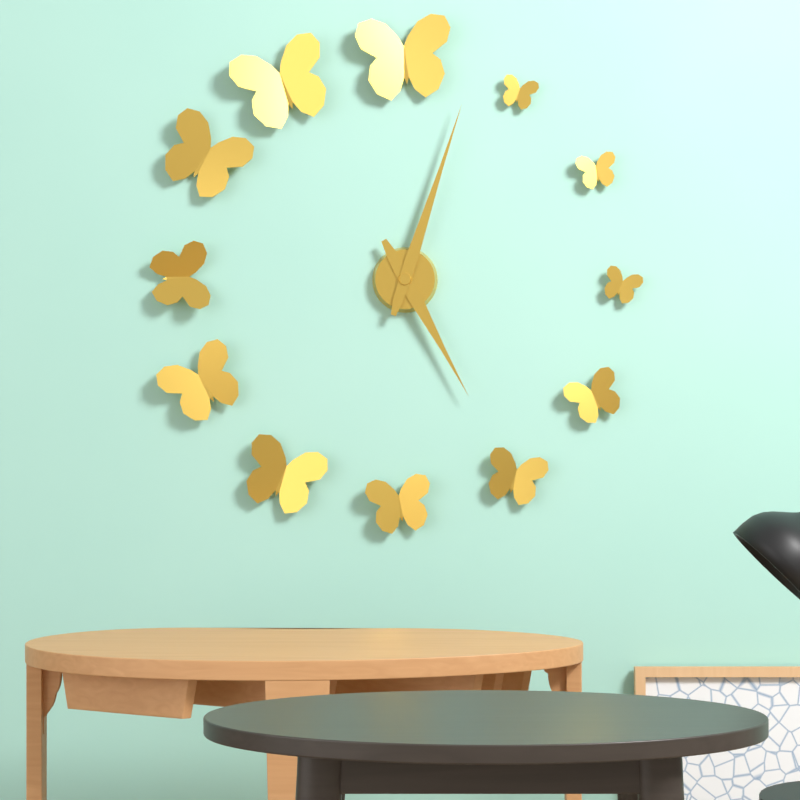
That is h=5 m=3
